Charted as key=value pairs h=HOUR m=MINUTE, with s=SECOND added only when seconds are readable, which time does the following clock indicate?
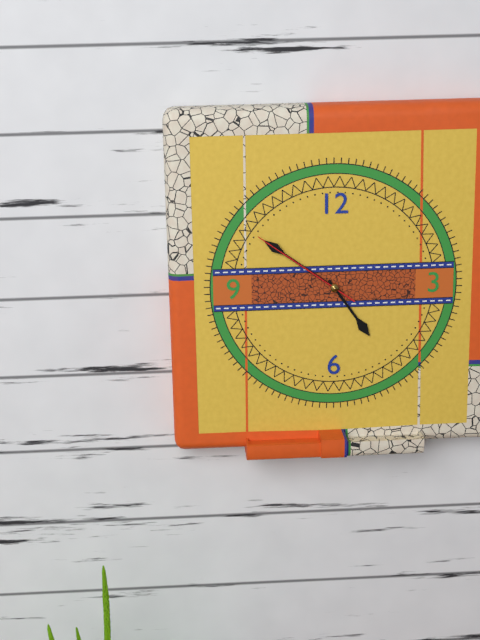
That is h=4 m=51 s=51
